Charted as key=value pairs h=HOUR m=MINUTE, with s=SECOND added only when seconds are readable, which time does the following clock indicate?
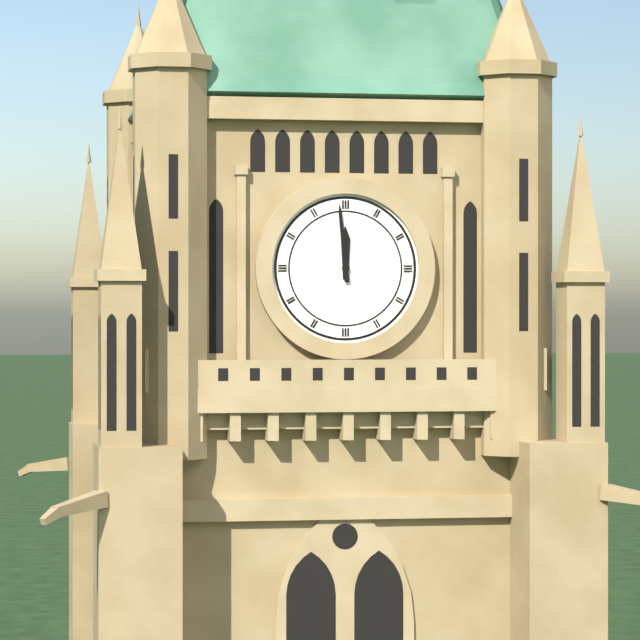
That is h=11 m=59
